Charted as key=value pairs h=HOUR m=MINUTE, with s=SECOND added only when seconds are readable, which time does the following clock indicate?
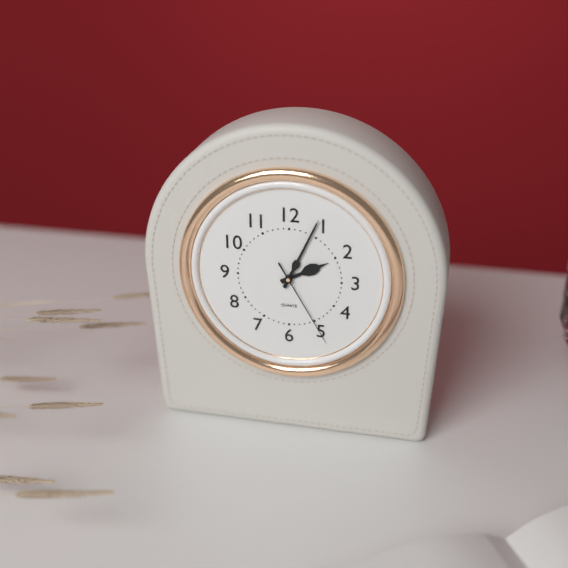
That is h=2 m=4 s=25
